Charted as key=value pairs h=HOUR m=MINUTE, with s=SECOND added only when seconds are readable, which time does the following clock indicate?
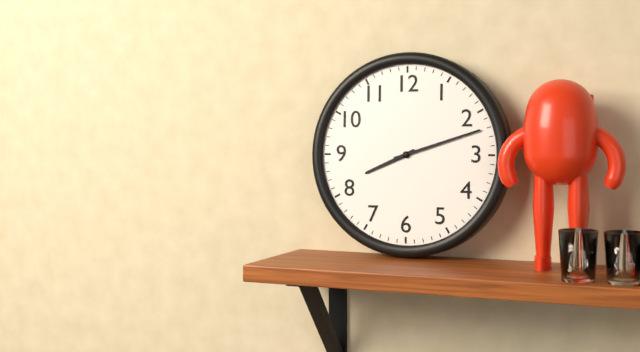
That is h=8 m=12
